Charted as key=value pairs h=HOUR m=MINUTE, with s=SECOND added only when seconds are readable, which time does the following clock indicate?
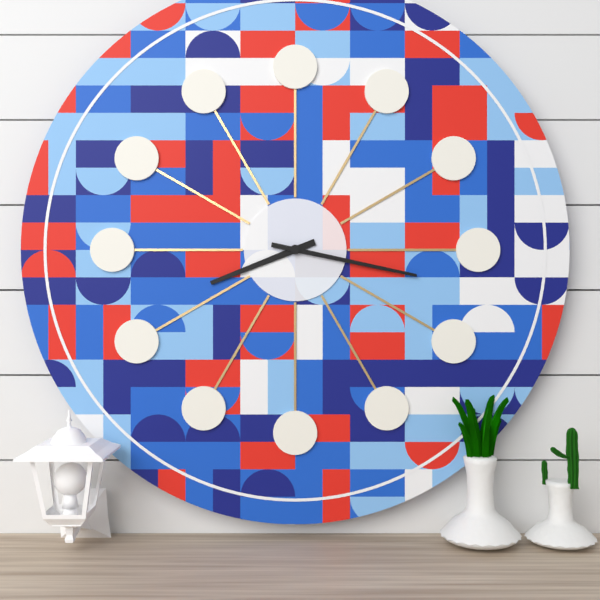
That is h=8 m=17
